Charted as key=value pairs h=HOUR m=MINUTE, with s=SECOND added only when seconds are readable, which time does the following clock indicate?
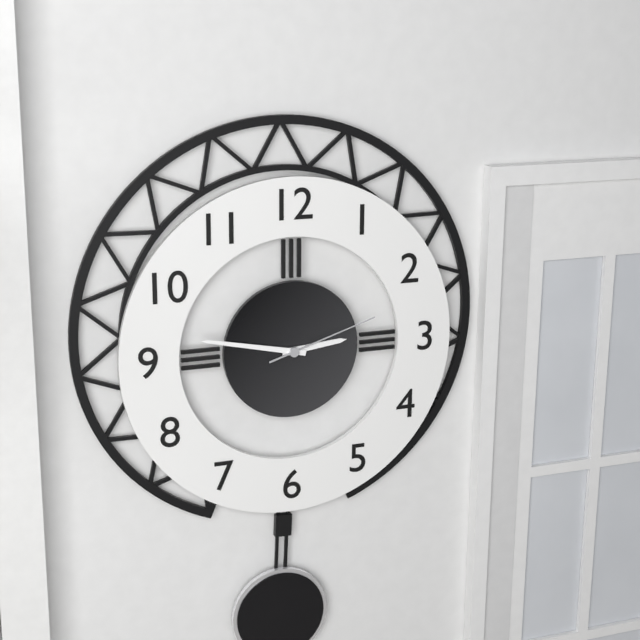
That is h=2 m=47 s=12
